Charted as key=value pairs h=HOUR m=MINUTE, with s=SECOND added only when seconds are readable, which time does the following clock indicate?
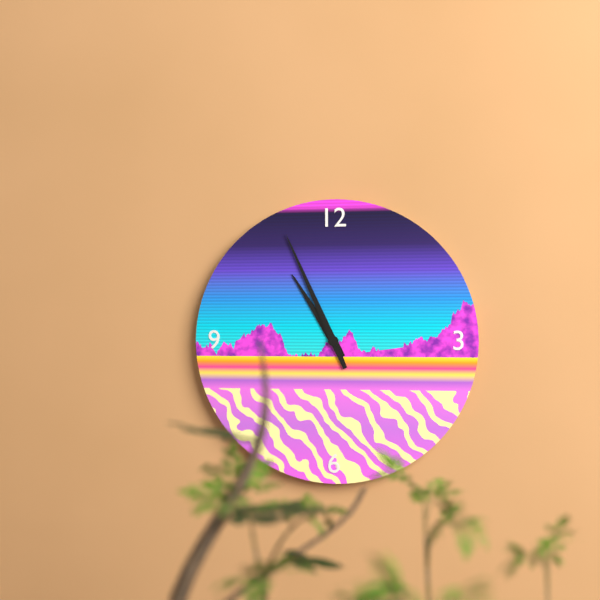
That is h=10 m=56
